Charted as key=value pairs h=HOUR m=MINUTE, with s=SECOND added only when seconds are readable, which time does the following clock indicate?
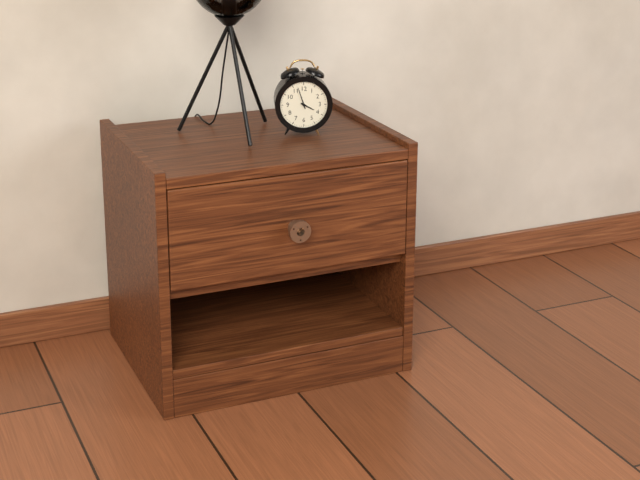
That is h=3 m=57
